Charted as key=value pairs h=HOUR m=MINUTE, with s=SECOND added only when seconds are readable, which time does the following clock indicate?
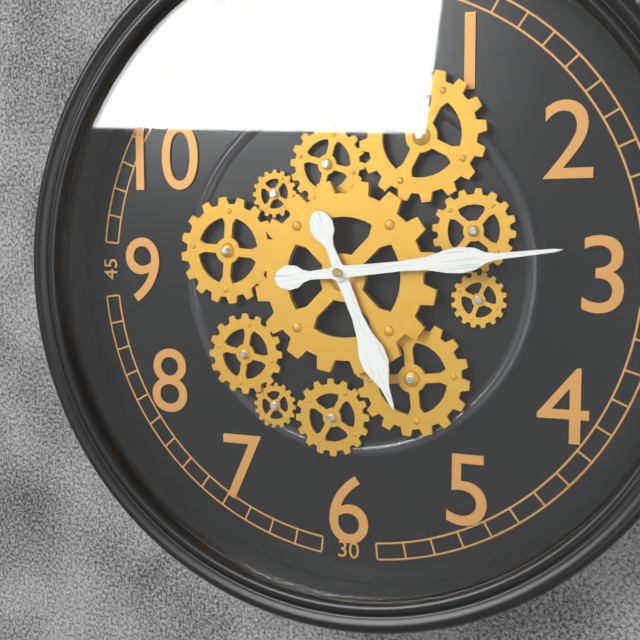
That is h=5 m=14
